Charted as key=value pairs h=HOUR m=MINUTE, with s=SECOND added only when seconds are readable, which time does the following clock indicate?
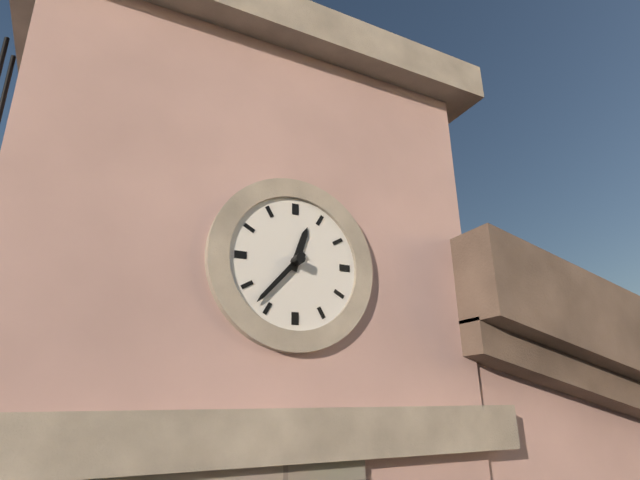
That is h=12 m=37
